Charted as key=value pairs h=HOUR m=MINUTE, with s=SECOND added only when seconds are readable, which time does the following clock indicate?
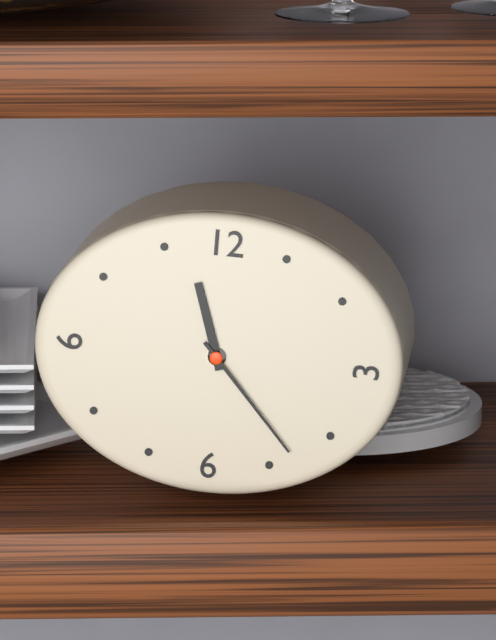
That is h=11 m=23
